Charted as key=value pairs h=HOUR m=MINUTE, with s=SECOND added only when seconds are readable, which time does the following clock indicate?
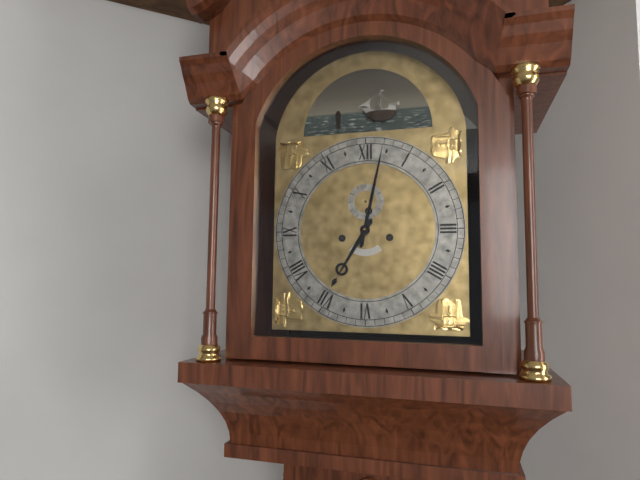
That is h=7 m=2
